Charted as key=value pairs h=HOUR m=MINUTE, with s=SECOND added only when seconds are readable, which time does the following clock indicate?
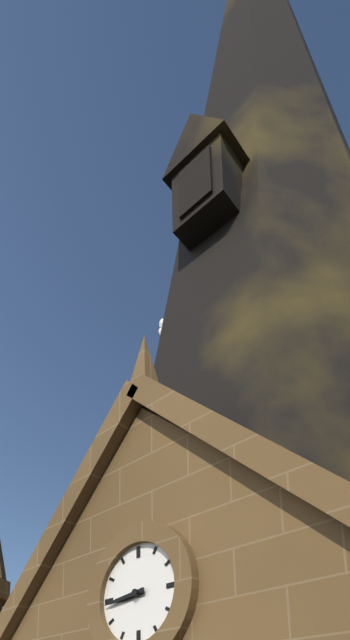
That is h=8 m=44
